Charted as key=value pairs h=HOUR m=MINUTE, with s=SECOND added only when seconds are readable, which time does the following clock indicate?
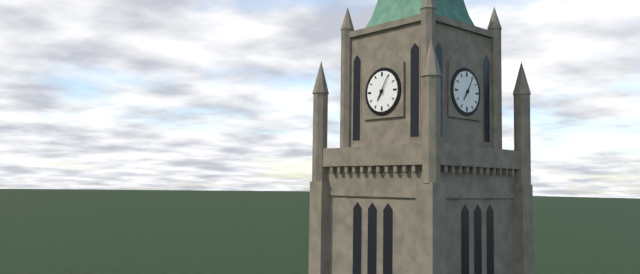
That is h=7 m=5
